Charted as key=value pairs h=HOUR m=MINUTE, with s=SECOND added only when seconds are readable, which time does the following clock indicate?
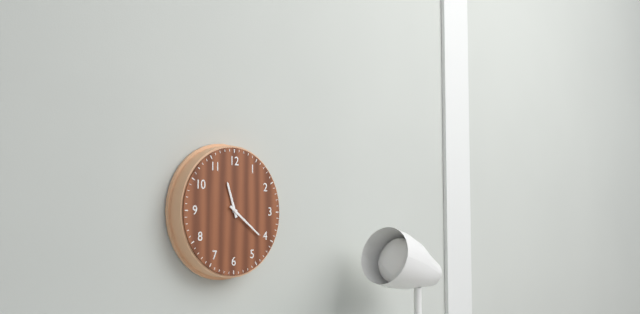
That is h=11 m=21
